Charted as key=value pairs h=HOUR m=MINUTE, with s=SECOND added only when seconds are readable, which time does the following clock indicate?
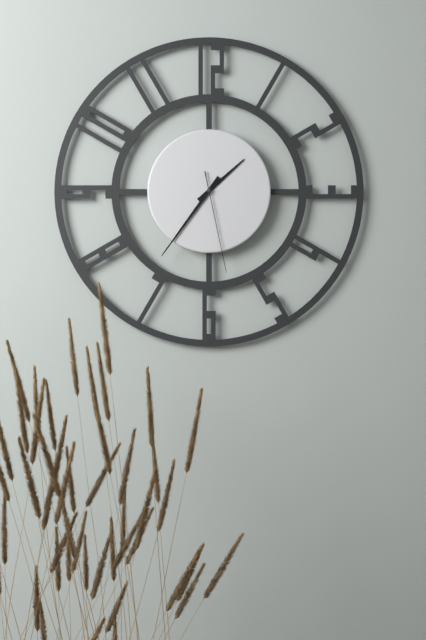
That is h=1 m=36 s=28
